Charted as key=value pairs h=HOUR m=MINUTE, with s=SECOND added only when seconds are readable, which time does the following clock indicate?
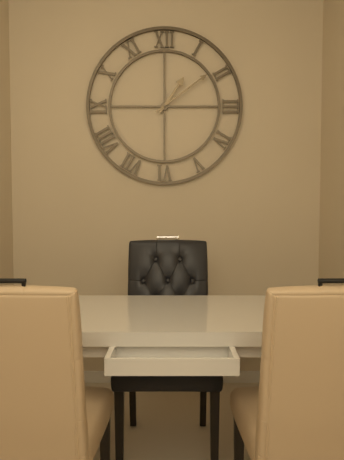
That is h=1 m=9
